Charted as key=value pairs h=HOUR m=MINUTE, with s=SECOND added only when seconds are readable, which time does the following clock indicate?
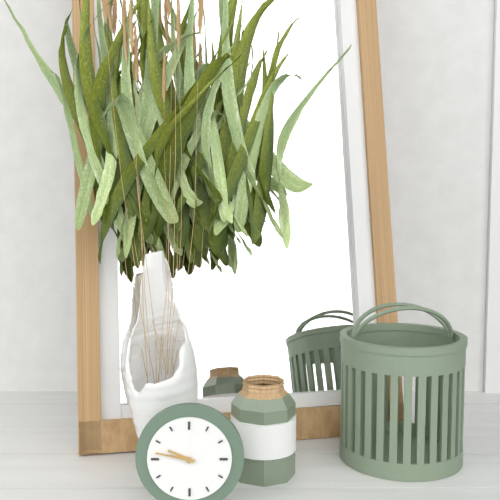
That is h=9 m=47
